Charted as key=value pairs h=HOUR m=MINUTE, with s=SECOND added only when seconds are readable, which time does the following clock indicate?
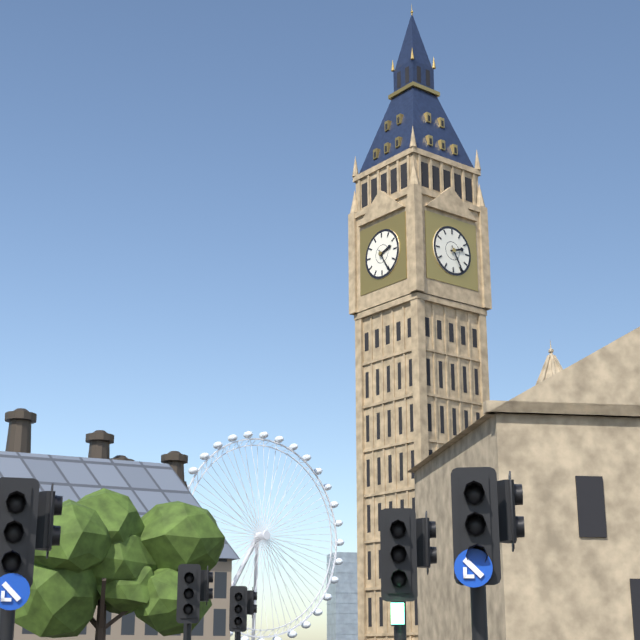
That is h=2 m=25
